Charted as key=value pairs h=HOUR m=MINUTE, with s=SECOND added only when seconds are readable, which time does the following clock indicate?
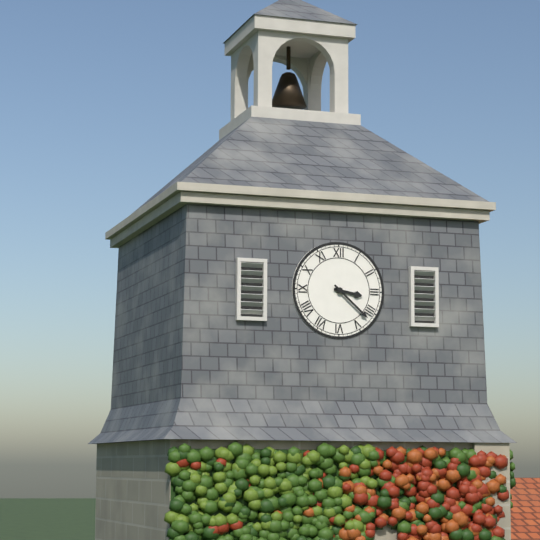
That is h=3 m=22
